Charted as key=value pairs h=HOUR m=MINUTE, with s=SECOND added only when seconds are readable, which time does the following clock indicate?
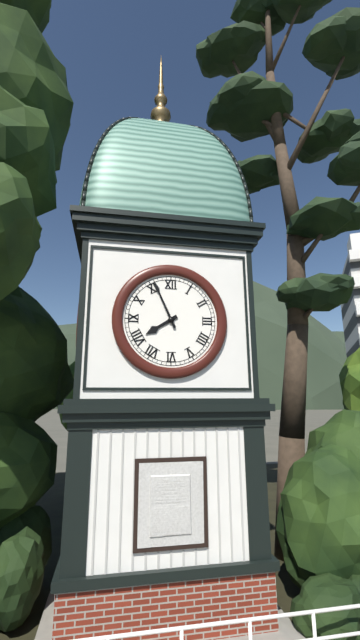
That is h=7 m=56
